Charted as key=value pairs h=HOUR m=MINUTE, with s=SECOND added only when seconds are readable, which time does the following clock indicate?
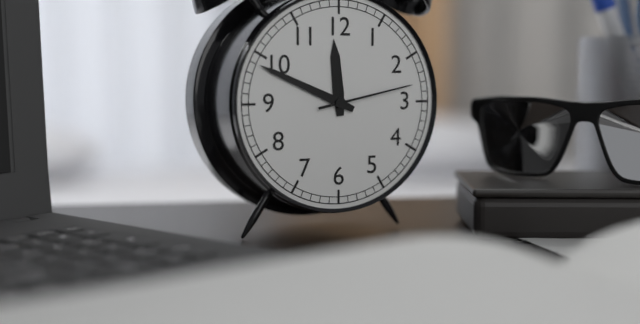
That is h=11 m=49 s=13
